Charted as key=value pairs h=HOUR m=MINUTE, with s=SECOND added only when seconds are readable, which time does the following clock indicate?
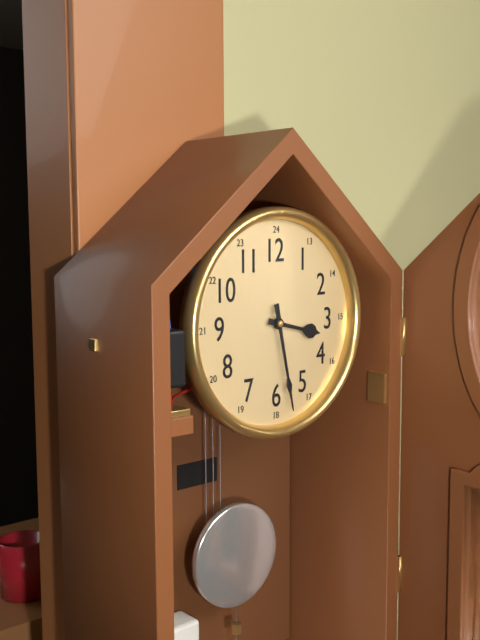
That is h=3 m=28
